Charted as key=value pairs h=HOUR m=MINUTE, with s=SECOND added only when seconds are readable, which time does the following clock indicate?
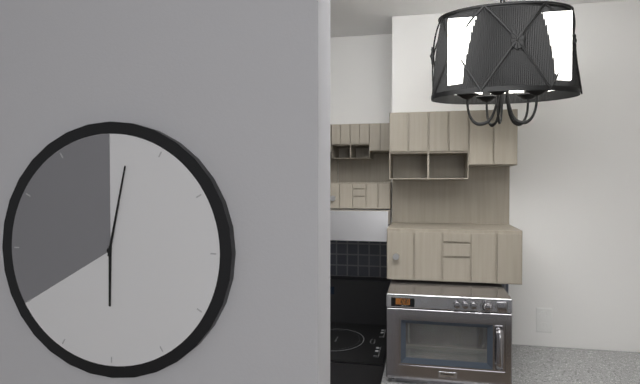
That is h=6 m=2
